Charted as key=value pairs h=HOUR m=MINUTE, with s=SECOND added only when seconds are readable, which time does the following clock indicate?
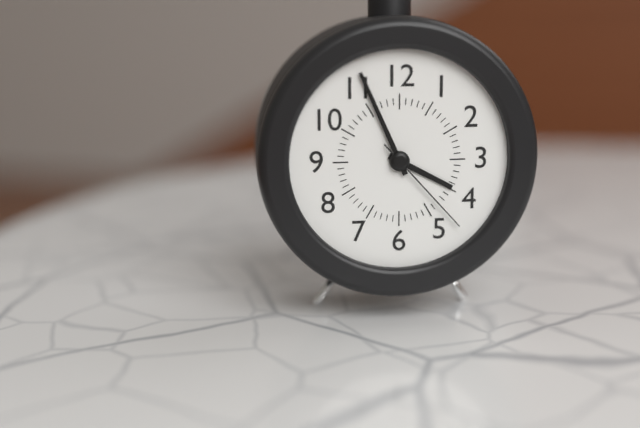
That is h=3 m=56 s=23
